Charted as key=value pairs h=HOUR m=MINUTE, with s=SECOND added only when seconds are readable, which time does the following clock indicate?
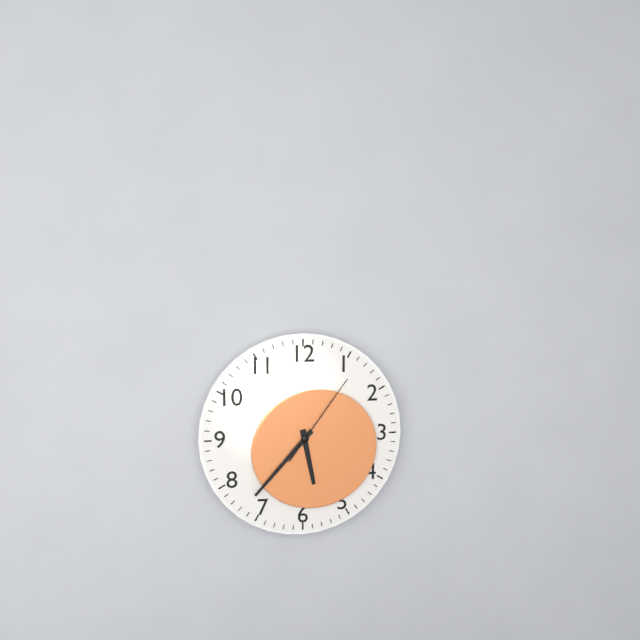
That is h=5 m=37 s=6
